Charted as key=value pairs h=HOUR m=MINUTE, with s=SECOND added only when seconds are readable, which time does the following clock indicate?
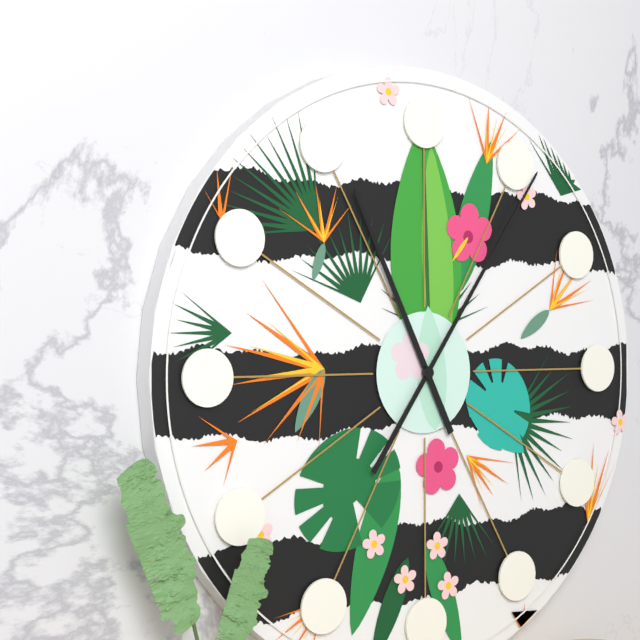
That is h=11 m=6
